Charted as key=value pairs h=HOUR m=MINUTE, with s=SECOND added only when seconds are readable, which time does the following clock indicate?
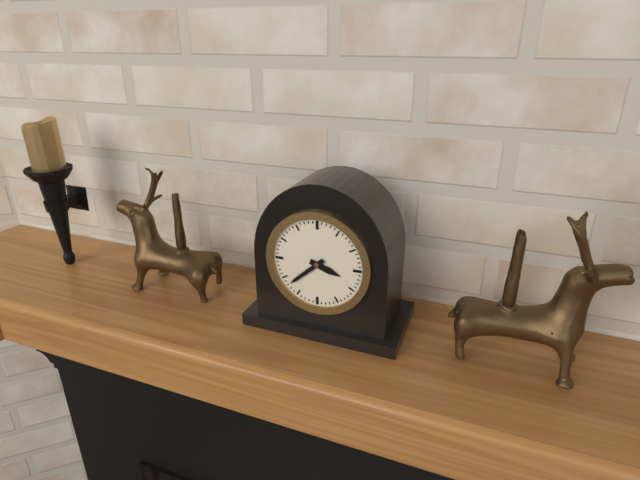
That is h=3 m=38
